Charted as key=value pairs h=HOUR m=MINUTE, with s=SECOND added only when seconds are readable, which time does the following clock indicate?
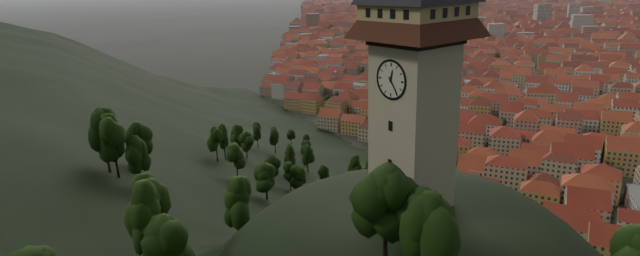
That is h=12 m=24
